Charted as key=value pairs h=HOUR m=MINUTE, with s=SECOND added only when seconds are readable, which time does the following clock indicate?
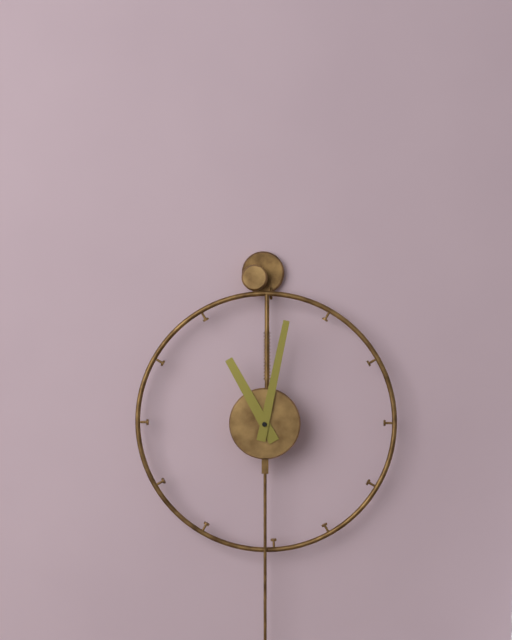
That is h=11 m=2
